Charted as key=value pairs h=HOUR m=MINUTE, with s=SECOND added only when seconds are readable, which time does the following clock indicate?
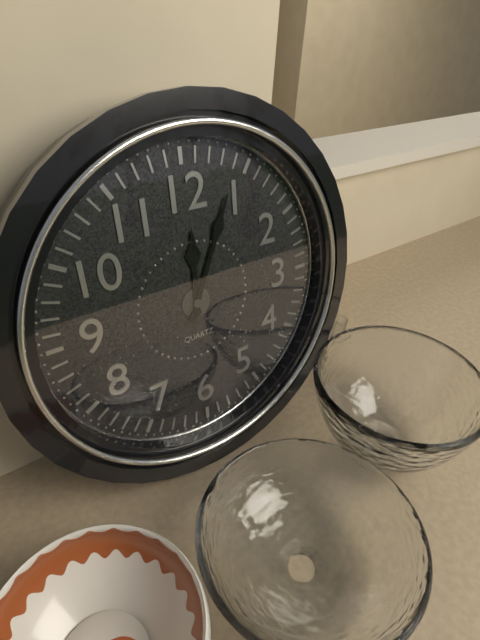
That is h=12 m=4
